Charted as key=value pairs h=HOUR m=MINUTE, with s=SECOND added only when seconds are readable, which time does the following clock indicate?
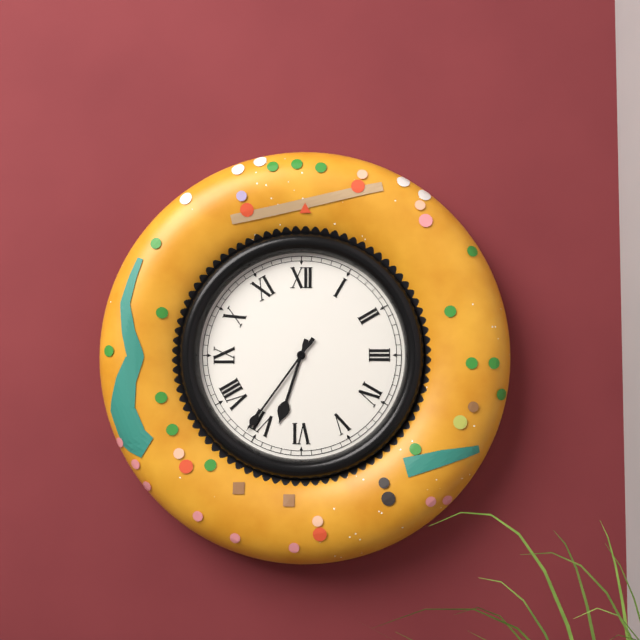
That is h=6 m=36
